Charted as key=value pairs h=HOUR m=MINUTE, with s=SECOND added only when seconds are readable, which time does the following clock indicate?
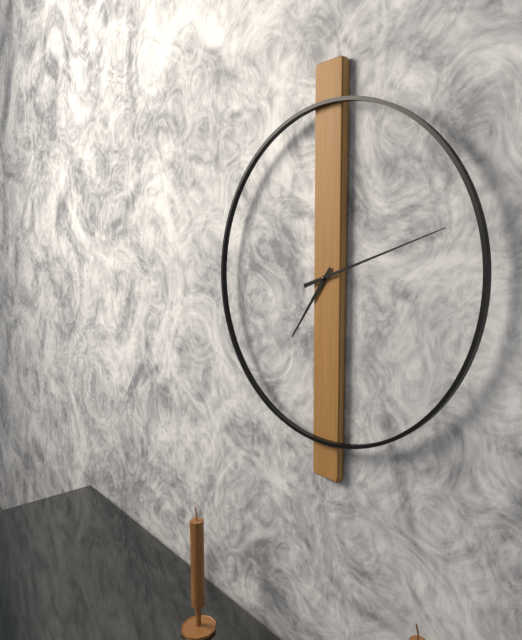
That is h=7 m=12
